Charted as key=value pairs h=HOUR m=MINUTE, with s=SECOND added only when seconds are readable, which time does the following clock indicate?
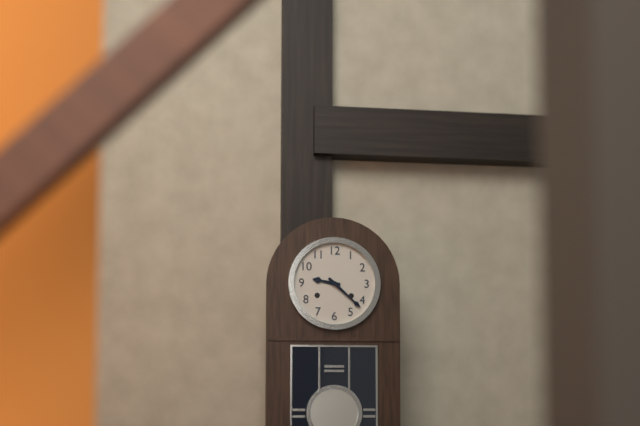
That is h=9 m=22
